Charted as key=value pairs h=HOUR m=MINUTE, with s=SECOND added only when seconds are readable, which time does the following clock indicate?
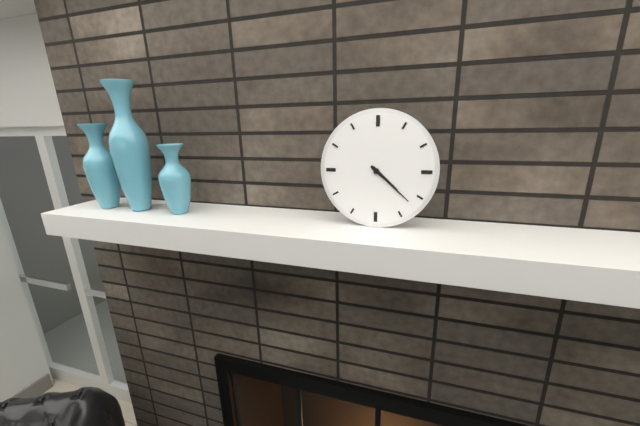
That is h=4 m=22
